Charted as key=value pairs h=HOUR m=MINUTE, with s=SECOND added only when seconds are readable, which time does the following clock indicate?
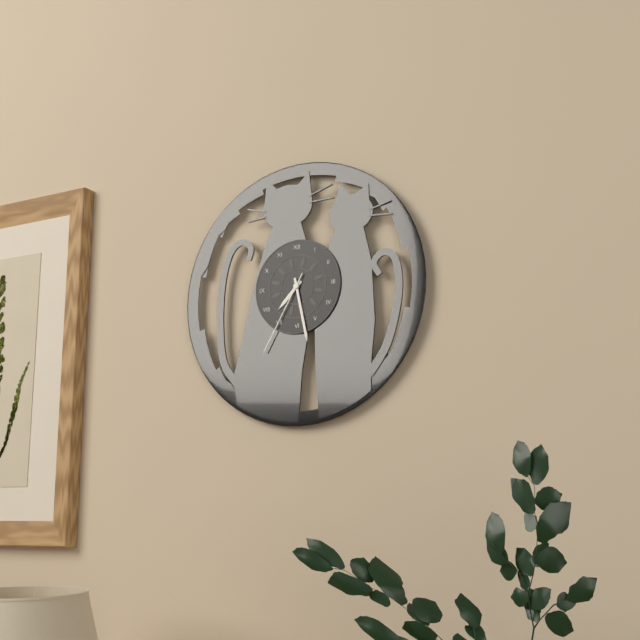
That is h=7 m=28 s=35
